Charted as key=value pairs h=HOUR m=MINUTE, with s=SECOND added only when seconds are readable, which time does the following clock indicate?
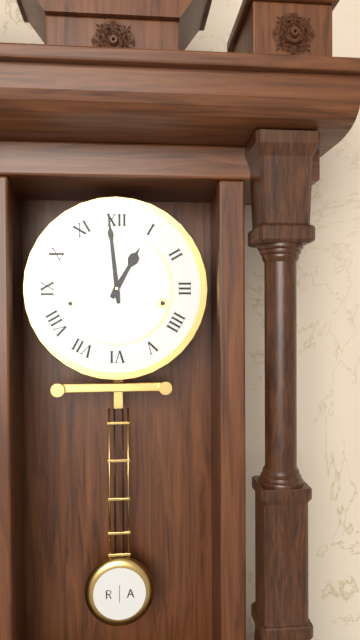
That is h=12 m=59
